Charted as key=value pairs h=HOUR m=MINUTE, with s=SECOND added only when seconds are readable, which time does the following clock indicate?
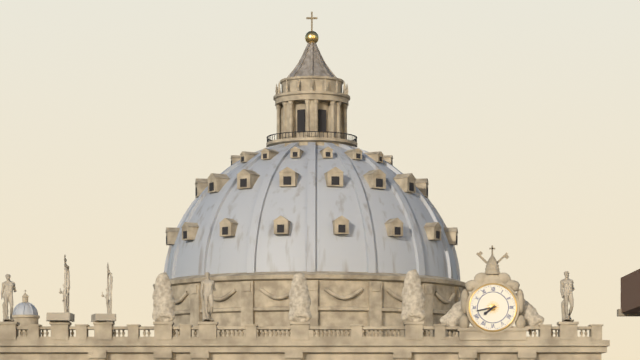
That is h=7 m=43
